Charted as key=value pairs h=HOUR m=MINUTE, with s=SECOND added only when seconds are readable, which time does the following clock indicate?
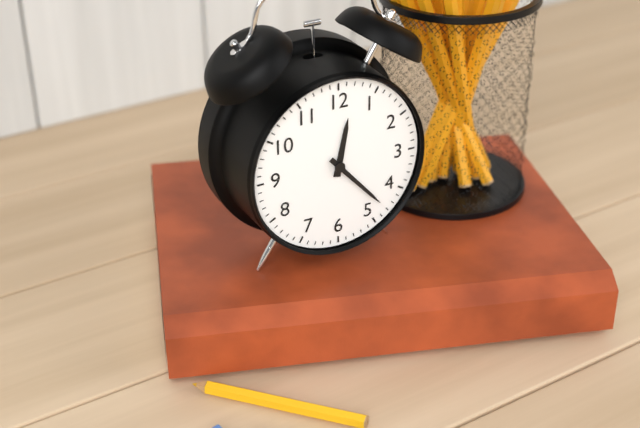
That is h=12 m=23
